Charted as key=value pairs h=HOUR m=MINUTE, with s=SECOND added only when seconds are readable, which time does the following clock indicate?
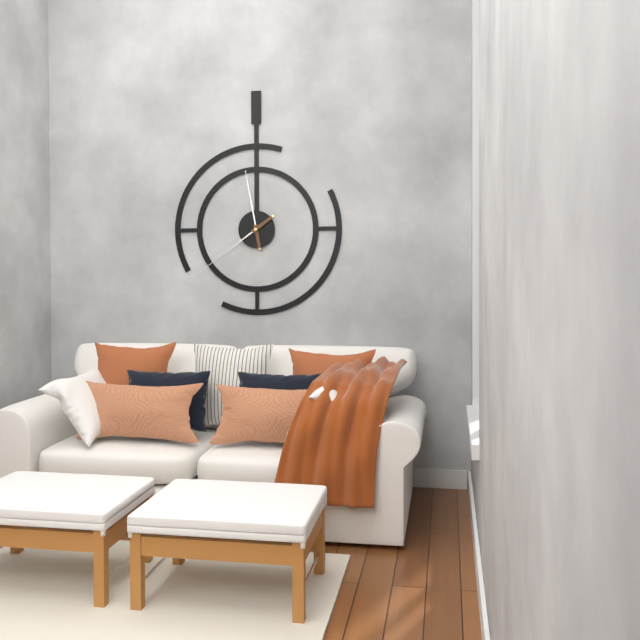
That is h=11 m=39
